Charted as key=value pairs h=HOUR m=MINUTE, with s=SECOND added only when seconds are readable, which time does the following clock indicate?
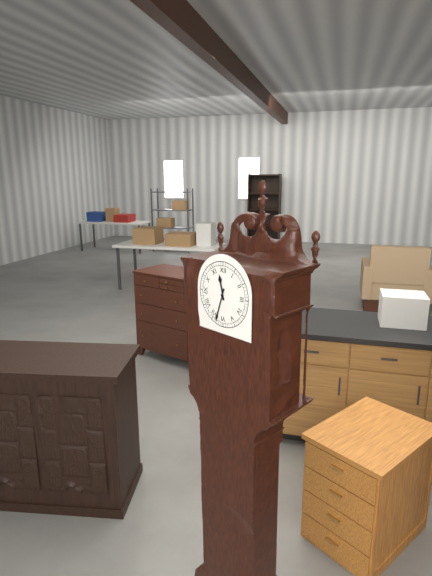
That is h=11 m=33
